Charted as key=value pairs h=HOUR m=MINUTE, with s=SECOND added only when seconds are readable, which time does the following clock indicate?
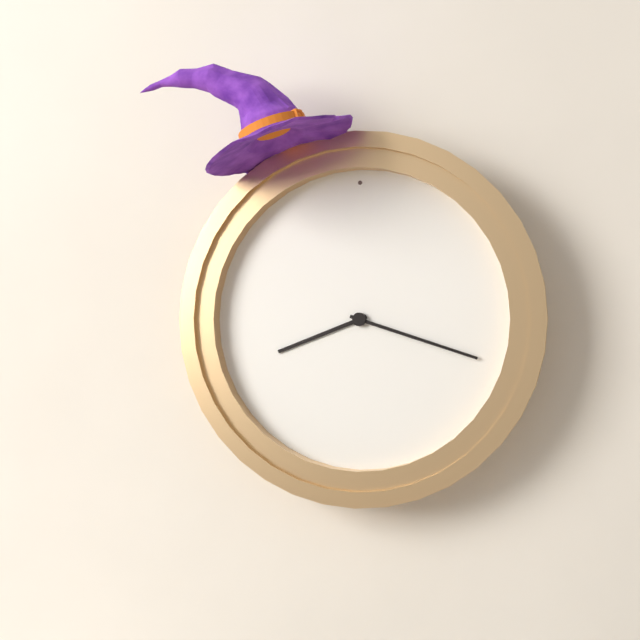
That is h=8 m=18
